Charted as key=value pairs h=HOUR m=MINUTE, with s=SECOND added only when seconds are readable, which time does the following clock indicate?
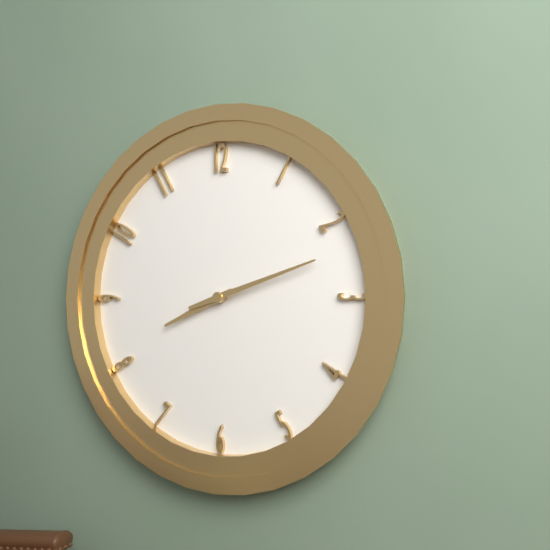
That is h=8 m=12
